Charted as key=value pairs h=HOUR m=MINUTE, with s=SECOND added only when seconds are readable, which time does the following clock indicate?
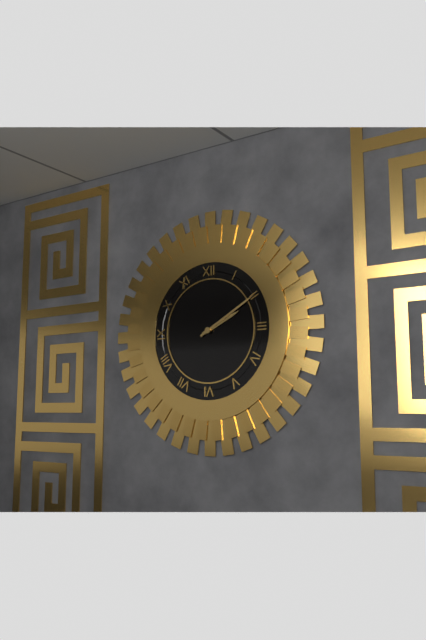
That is h=2 m=10
